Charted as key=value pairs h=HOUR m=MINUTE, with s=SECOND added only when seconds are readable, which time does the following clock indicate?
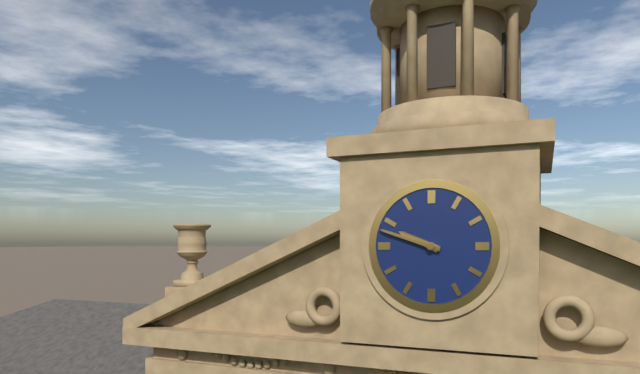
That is h=9 m=48
